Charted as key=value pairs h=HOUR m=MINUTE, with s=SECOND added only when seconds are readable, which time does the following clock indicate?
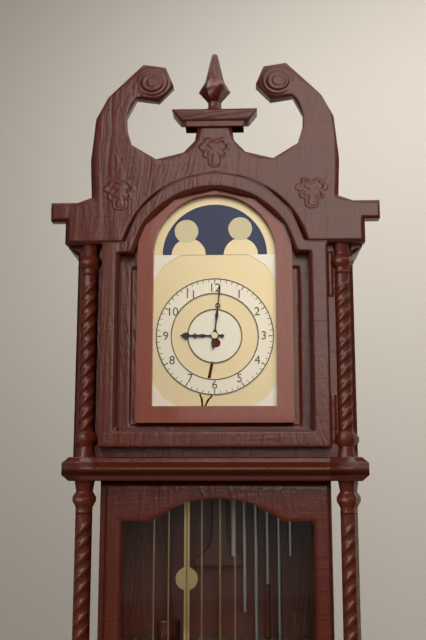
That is h=9 m=1
